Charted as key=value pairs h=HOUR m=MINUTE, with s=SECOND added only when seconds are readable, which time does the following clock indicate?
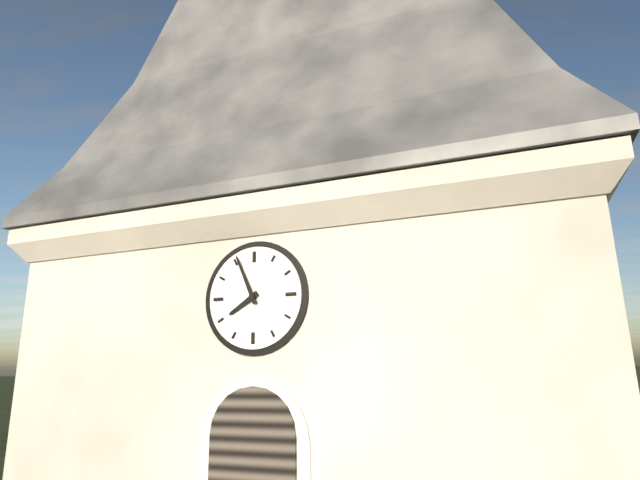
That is h=7 m=56
